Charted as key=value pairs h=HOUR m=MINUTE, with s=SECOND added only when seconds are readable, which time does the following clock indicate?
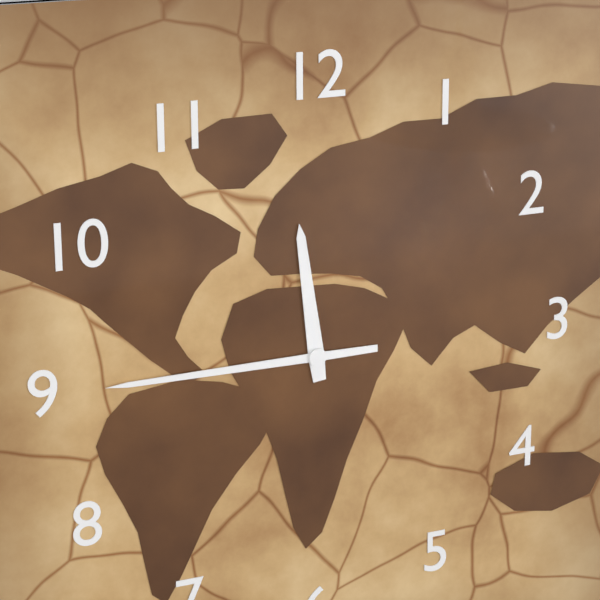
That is h=11 m=45
